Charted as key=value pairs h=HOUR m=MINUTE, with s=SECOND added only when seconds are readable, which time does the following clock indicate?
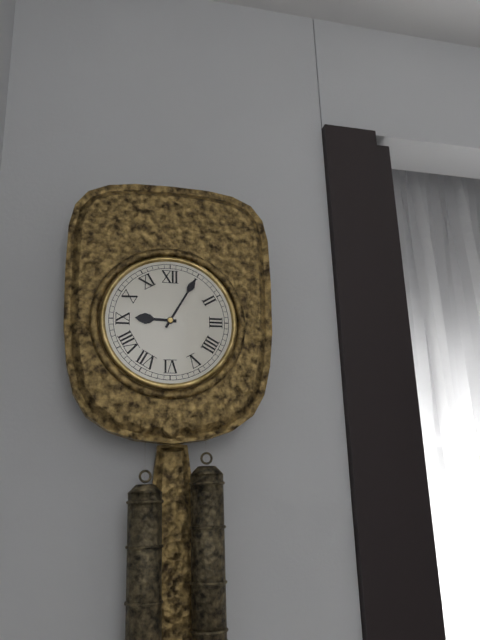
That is h=9 m=5
